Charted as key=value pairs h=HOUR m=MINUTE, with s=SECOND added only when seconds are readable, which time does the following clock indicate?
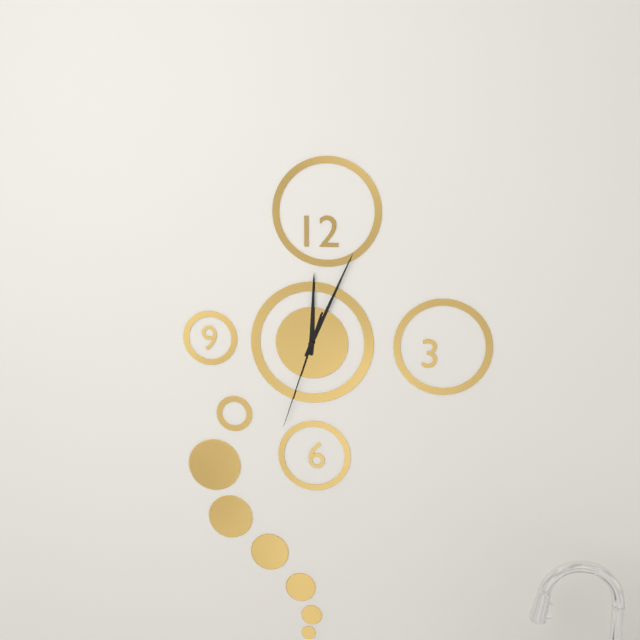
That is h=12 m=4 s=33
